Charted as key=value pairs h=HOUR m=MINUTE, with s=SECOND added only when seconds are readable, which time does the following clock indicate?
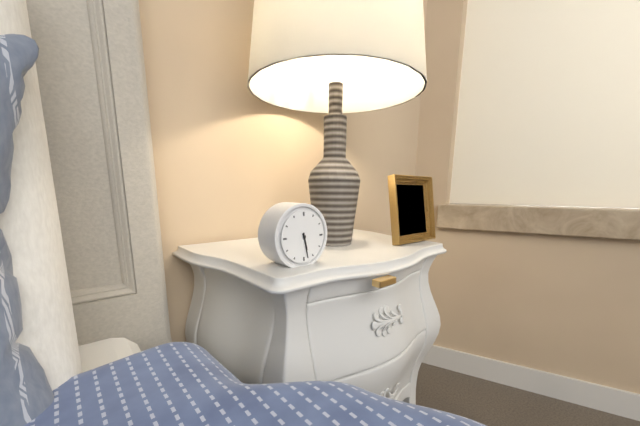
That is h=5 m=28
